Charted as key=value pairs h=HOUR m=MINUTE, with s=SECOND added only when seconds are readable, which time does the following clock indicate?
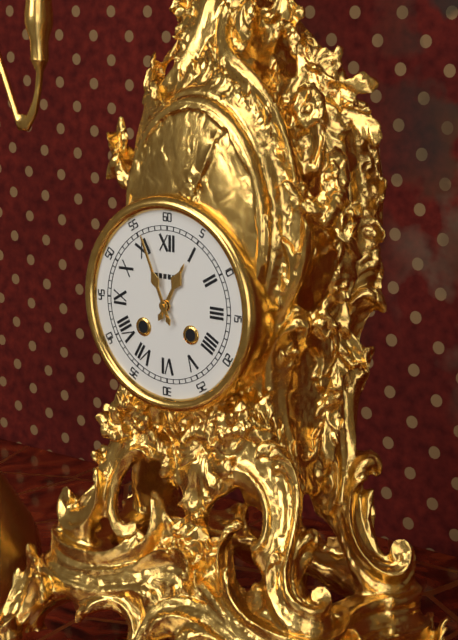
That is h=12 m=56
